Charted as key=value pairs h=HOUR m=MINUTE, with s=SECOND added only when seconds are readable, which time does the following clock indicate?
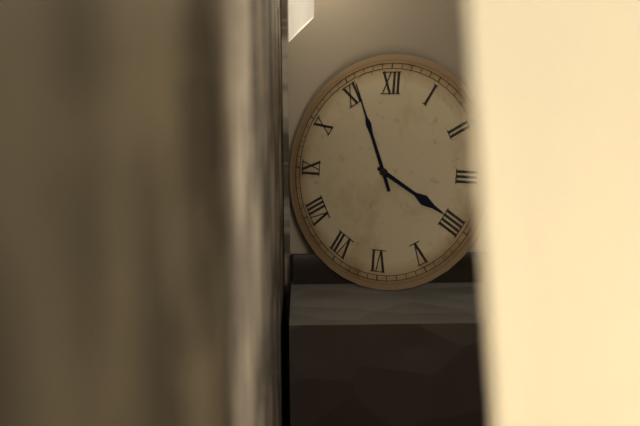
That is h=3 m=56
